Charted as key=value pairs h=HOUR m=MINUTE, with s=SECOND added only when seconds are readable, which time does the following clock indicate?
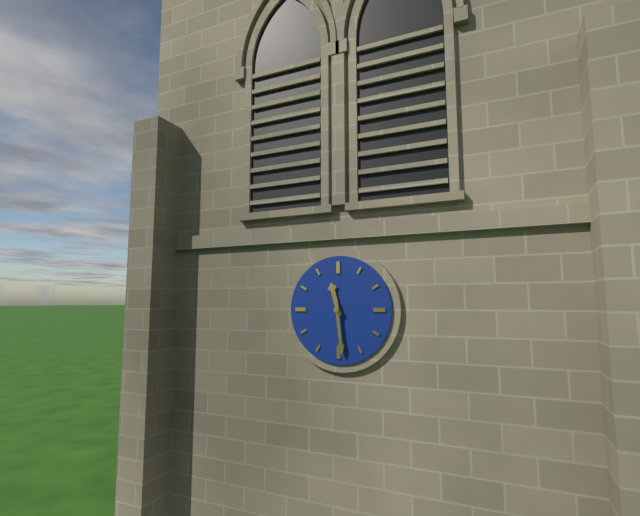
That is h=11 m=29
